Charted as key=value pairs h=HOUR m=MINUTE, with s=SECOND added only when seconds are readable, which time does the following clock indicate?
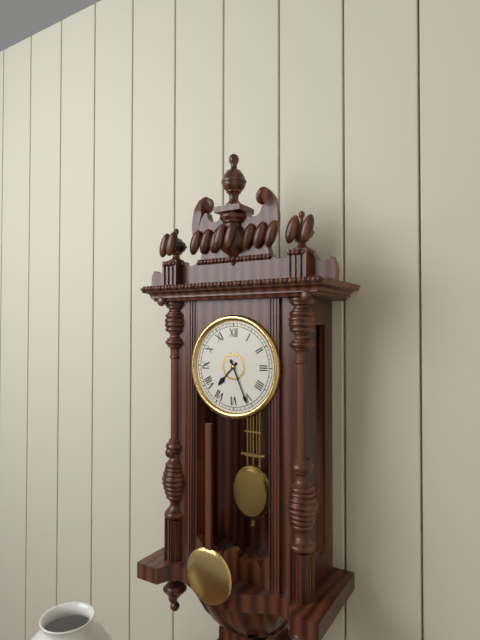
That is h=7 m=26
